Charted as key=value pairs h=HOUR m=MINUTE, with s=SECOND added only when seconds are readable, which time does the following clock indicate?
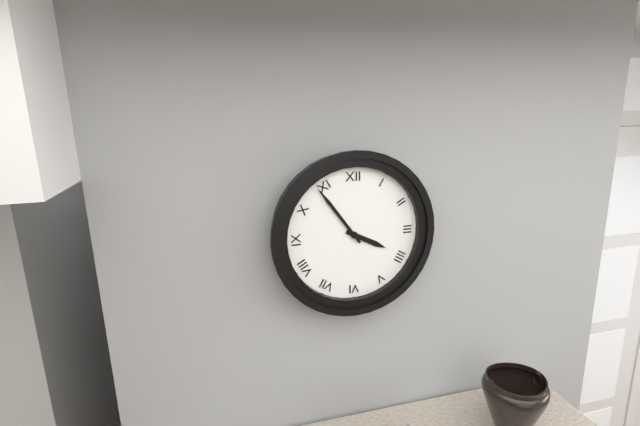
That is h=3 m=54
